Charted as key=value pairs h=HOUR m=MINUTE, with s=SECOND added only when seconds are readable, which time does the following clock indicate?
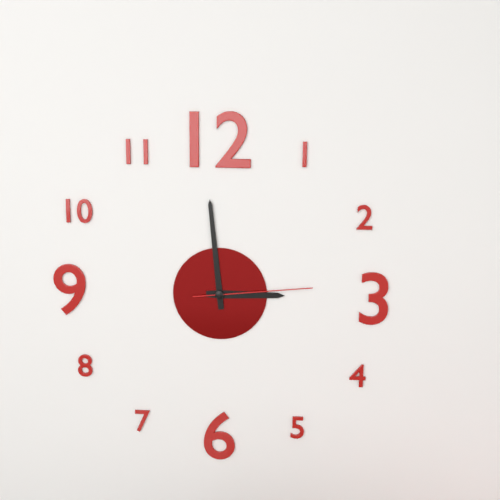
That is h=2 m=59 s=14
